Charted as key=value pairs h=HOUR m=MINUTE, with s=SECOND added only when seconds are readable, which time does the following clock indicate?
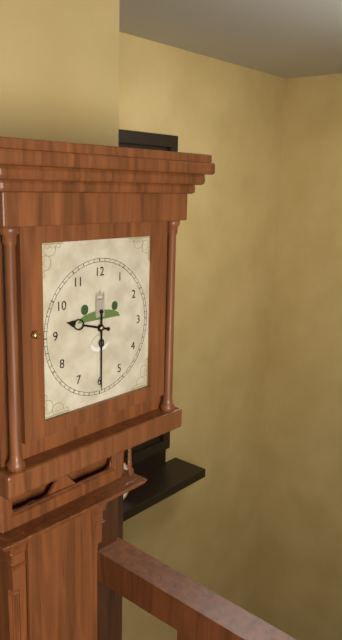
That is h=9 m=30
